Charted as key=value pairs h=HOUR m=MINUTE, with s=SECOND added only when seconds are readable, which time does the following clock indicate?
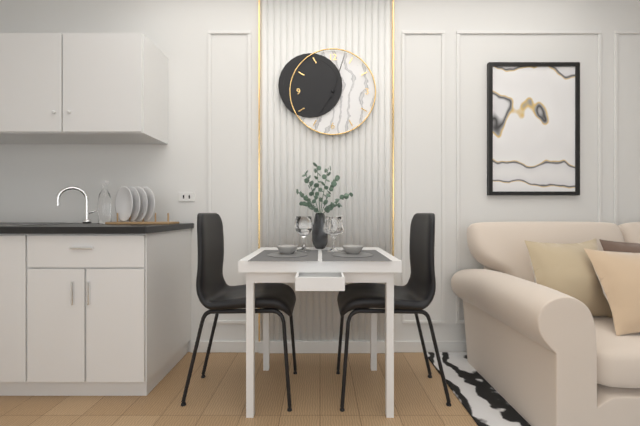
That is h=7 m=3
